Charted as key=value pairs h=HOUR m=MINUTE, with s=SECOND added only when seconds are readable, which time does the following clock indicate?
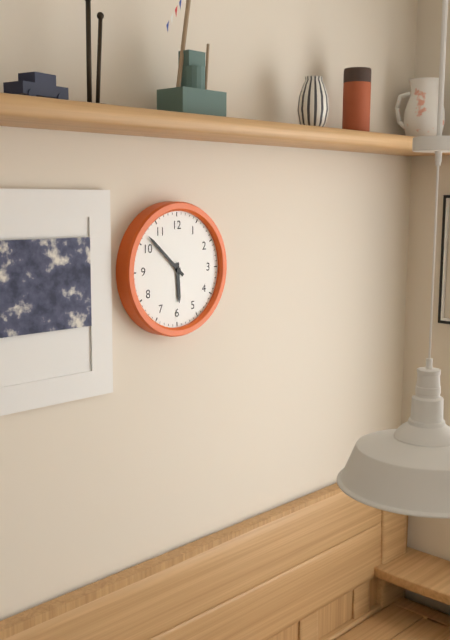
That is h=5 m=52
